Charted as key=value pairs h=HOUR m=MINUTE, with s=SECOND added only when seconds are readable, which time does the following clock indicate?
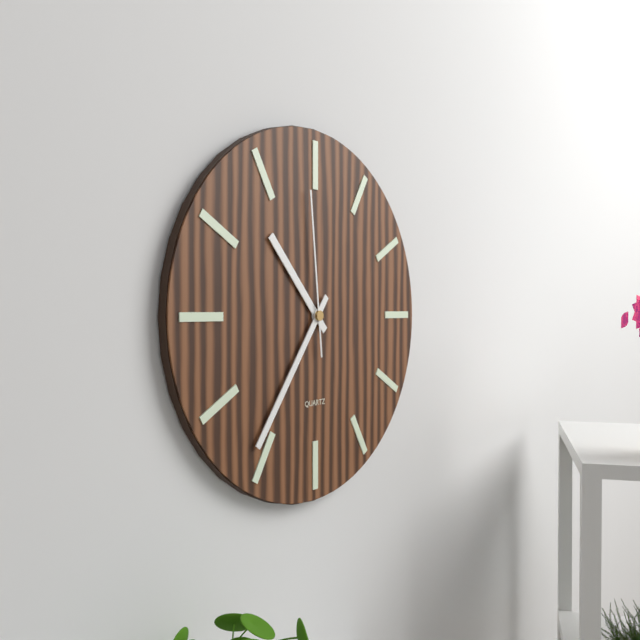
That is h=10 m=36 s=59
